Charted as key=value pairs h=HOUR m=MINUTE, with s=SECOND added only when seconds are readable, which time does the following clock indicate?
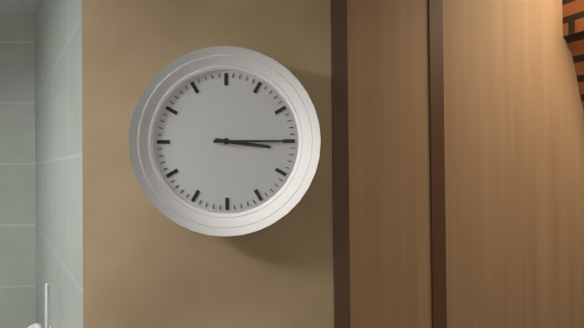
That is h=3 m=15
